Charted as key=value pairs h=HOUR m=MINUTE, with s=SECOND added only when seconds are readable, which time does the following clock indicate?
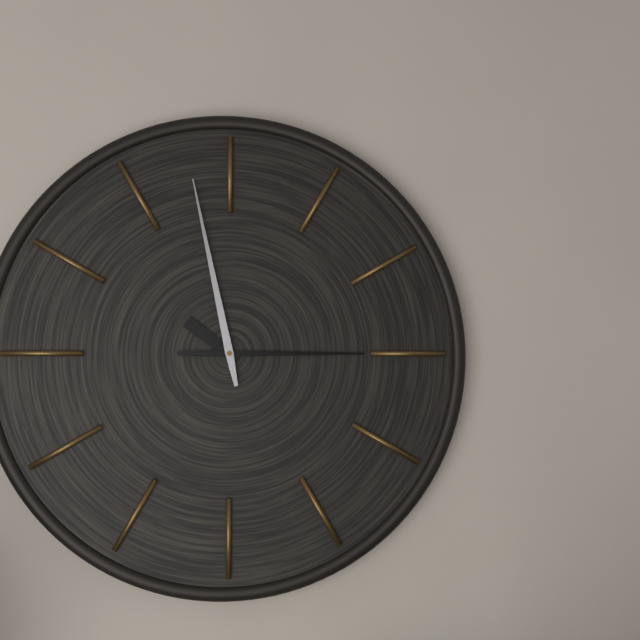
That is h=10 m=15 s=58
